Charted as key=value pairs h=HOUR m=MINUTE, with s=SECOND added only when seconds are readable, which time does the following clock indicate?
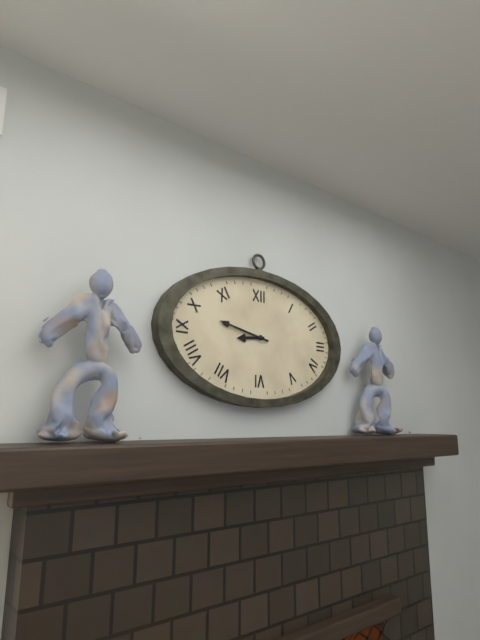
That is h=8 m=47
